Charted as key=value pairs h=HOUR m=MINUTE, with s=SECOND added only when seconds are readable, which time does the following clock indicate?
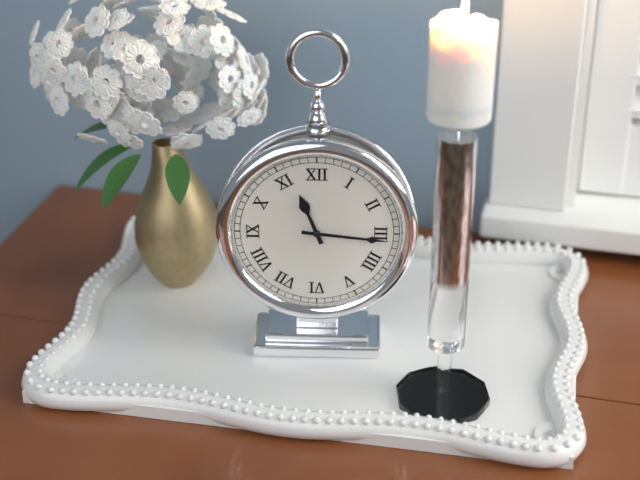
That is h=11 m=16
